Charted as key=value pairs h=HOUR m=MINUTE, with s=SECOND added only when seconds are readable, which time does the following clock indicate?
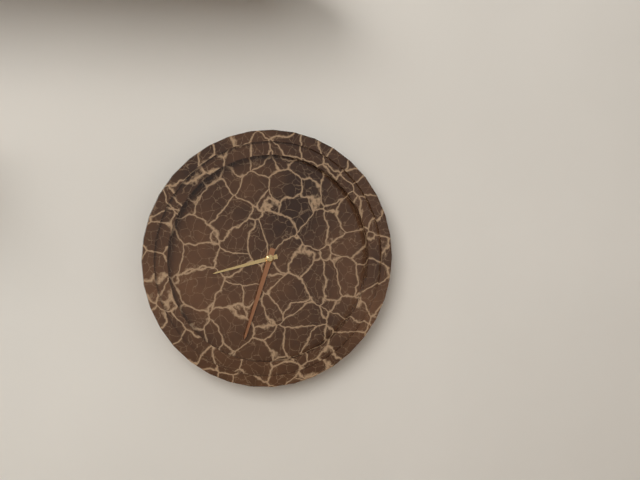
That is h=8 m=33
